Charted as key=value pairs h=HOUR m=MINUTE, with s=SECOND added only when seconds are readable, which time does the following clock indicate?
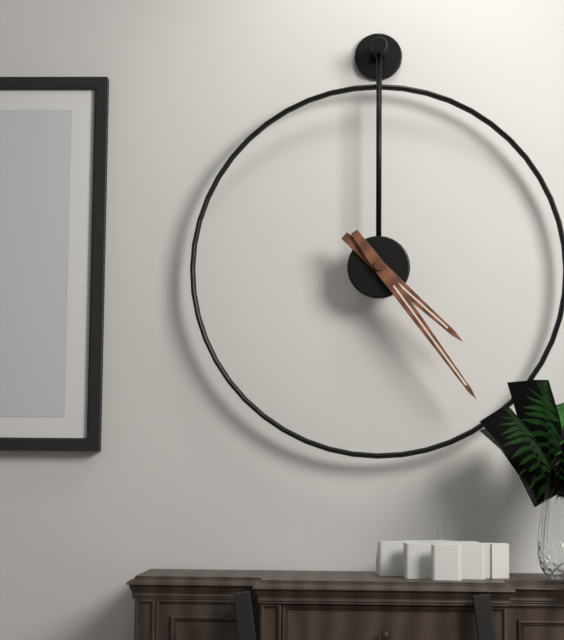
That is h=4 m=24
